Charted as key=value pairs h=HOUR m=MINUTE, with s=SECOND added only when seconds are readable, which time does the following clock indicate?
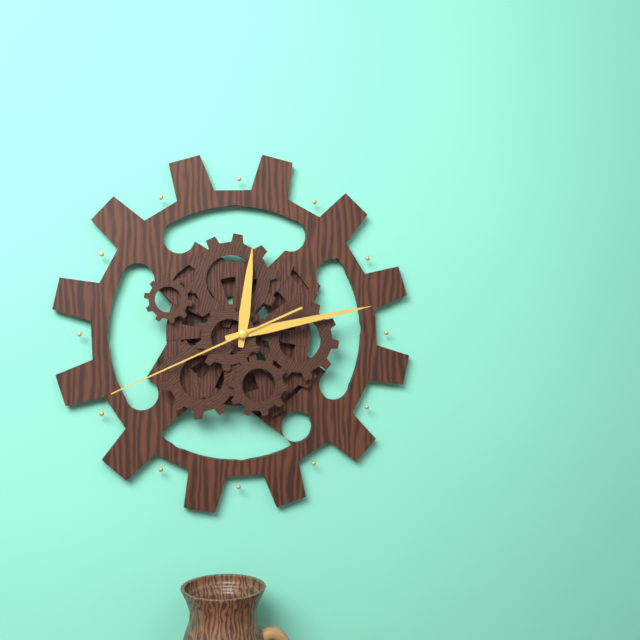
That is h=12 m=13 s=41
